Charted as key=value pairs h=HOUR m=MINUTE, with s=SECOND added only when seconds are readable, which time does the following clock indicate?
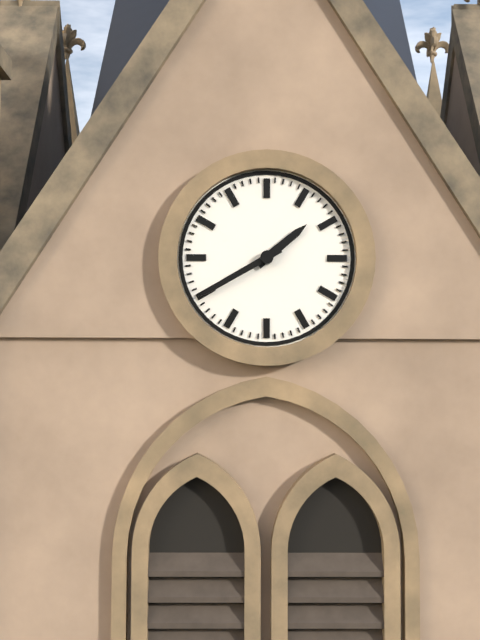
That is h=1 m=40
